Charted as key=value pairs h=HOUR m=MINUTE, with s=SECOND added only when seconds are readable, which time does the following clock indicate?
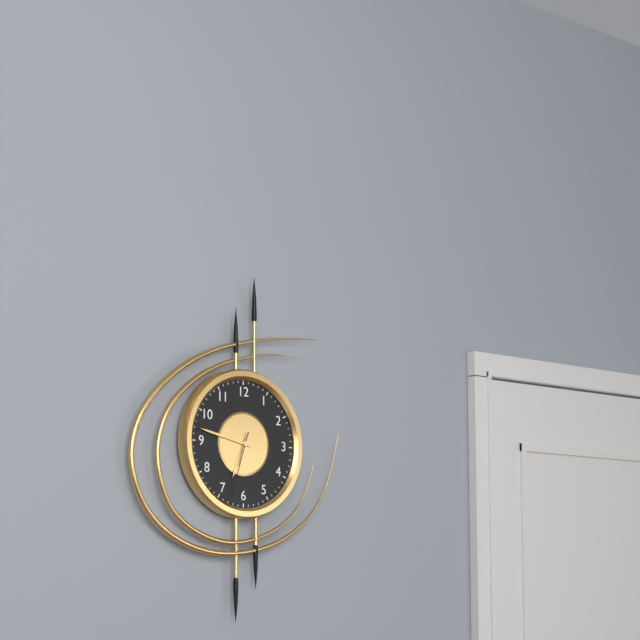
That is h=6 m=47 s=33
